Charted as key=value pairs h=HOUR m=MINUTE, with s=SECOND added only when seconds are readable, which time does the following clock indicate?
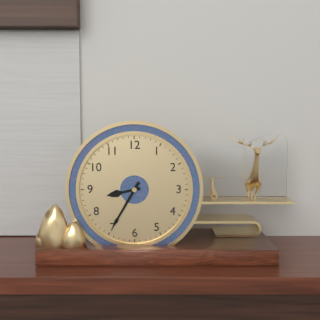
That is h=8 m=35
